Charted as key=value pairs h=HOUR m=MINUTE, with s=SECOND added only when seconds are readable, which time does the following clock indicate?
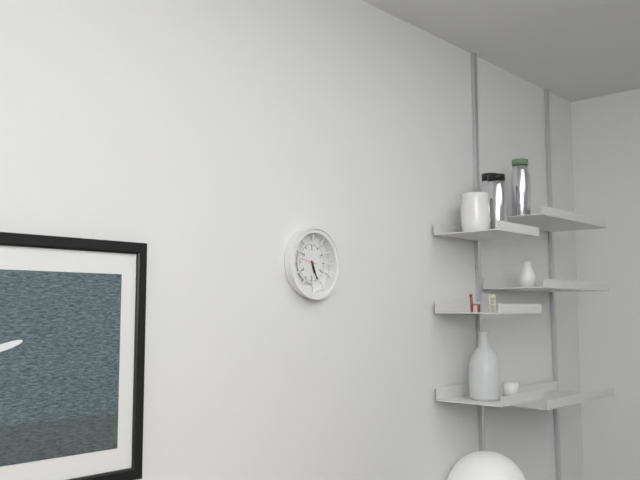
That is h=5 m=26
